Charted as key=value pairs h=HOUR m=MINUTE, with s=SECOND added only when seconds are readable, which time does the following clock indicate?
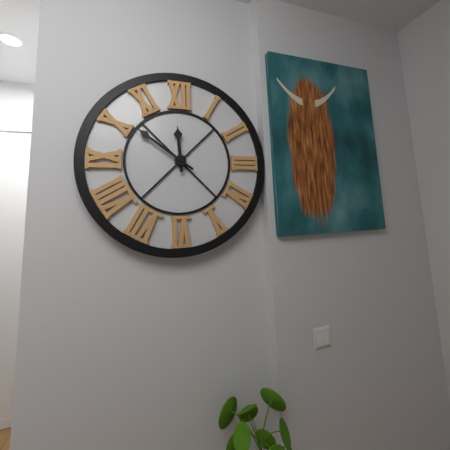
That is h=11 m=51
